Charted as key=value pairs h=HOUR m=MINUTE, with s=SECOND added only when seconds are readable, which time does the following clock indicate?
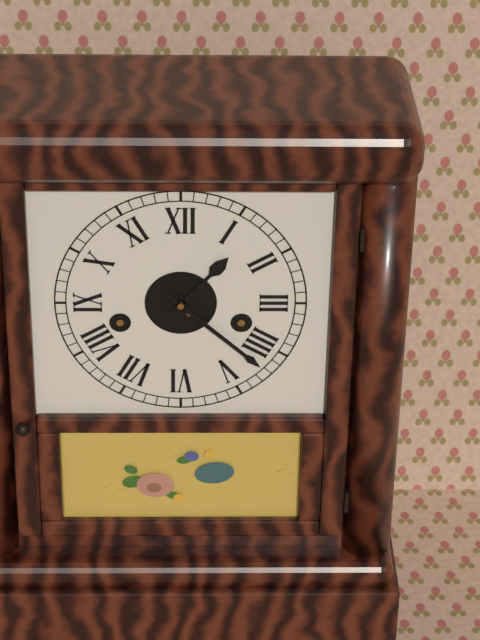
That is h=1 m=22
